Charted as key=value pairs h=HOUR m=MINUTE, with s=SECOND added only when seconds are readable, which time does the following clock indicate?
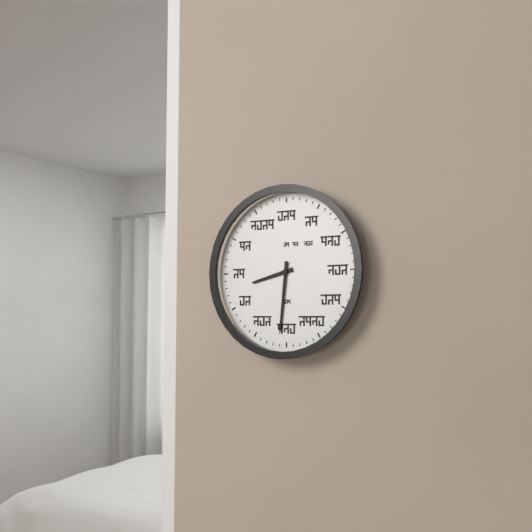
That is h=8 m=31
